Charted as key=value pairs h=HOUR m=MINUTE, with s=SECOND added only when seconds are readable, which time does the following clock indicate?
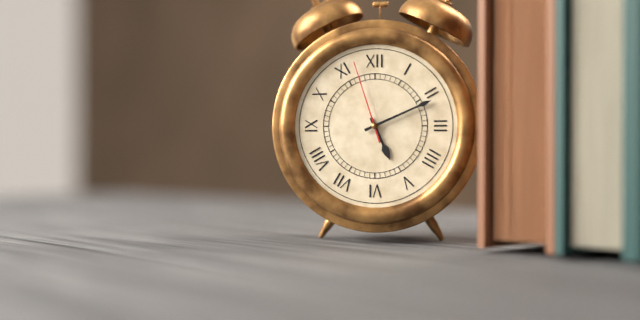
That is h=5 m=11 s=57
